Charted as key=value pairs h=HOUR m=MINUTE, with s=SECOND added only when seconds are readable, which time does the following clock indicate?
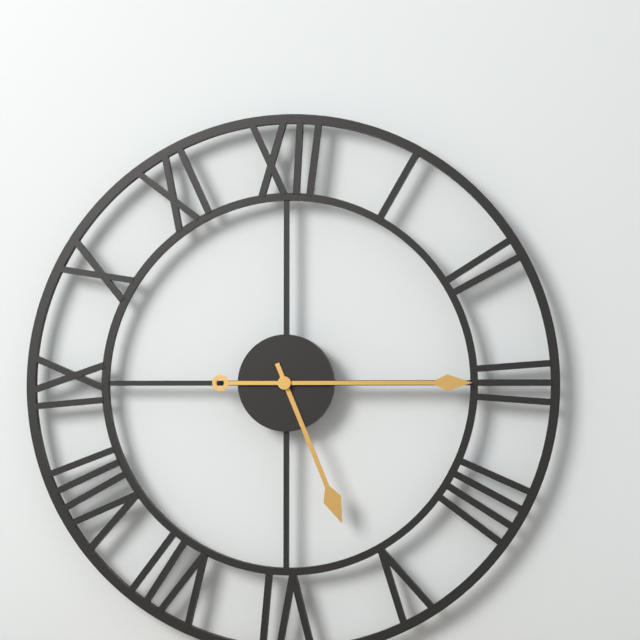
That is h=5 m=15
